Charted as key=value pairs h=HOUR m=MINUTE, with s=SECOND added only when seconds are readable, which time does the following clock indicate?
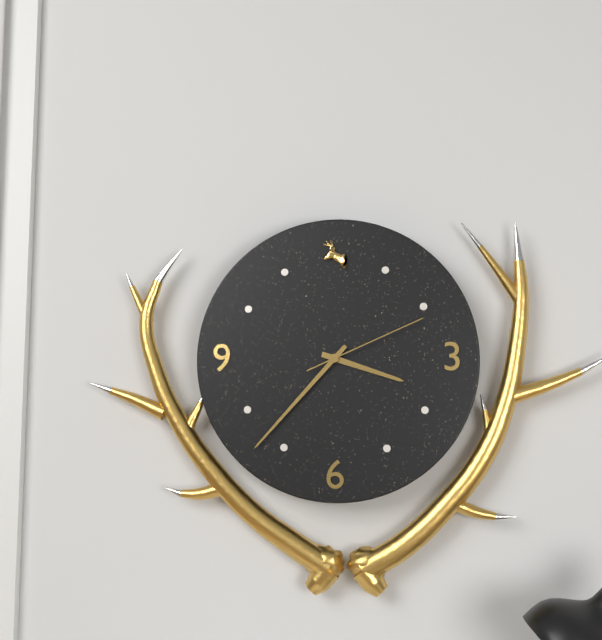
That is h=3 m=37 s=11
